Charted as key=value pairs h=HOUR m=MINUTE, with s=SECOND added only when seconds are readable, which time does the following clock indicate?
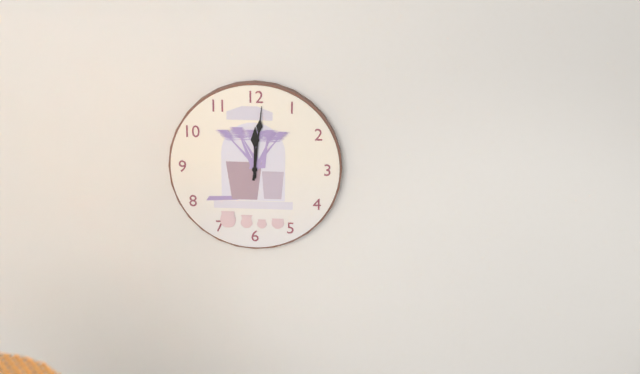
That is h=12 m=1
